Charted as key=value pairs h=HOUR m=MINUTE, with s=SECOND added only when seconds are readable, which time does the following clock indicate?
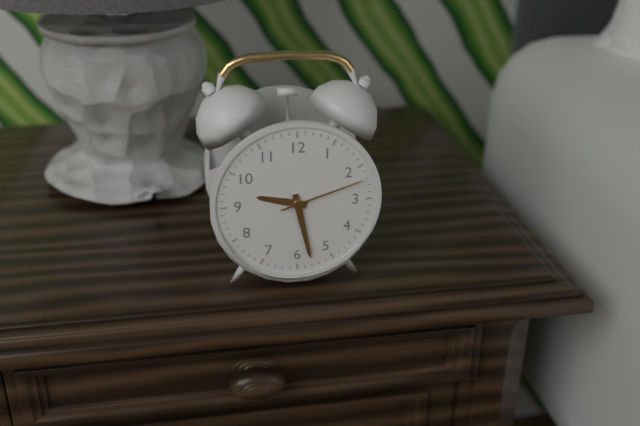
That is h=9 m=28 s=12
